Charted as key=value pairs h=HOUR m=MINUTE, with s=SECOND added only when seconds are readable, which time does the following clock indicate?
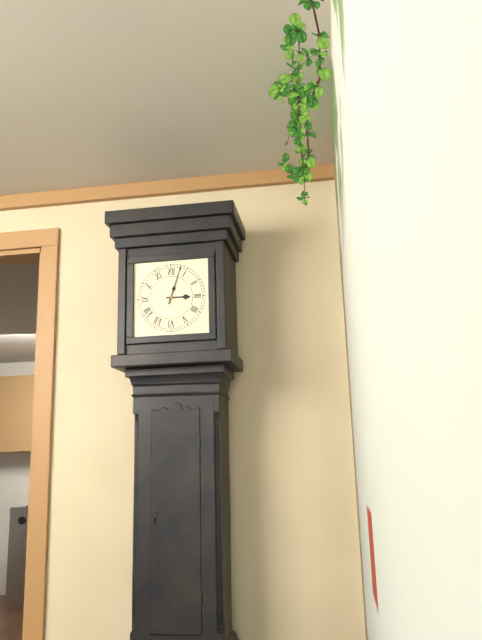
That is h=3 m=3
